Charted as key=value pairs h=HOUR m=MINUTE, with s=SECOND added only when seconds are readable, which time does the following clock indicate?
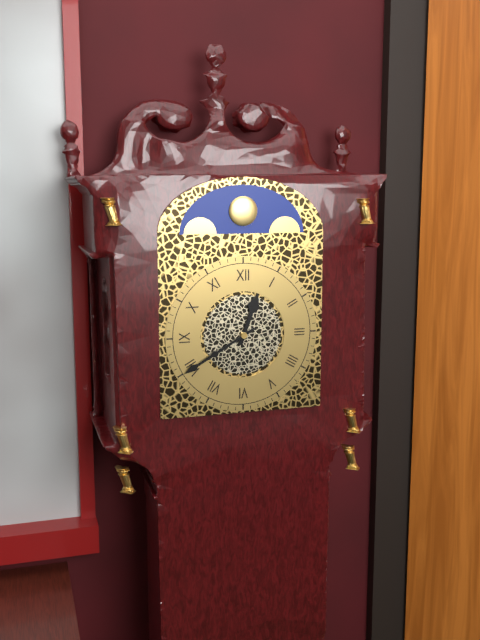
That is h=12 m=40
